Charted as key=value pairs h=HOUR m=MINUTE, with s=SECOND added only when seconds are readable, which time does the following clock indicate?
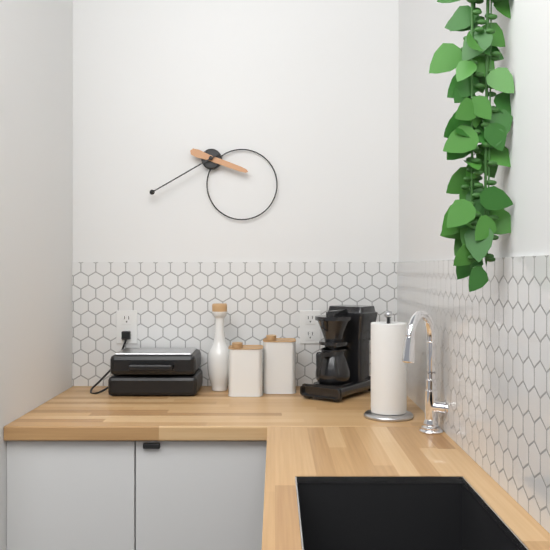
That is h=3 m=40
